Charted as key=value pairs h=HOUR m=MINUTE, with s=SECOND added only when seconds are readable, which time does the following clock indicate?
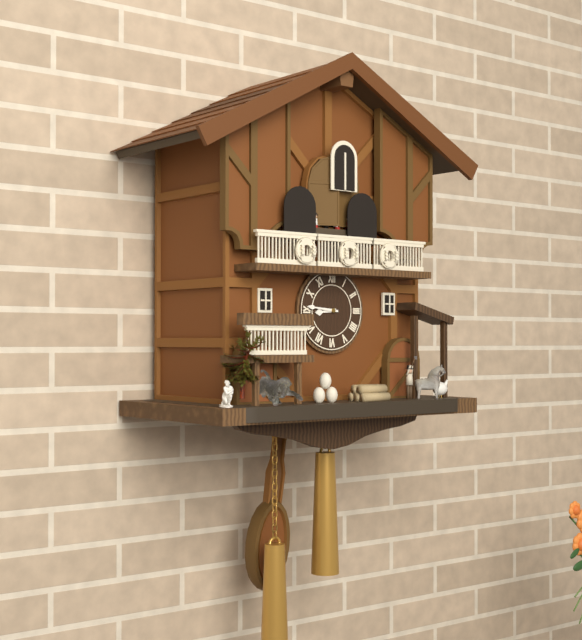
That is h=8 m=46
